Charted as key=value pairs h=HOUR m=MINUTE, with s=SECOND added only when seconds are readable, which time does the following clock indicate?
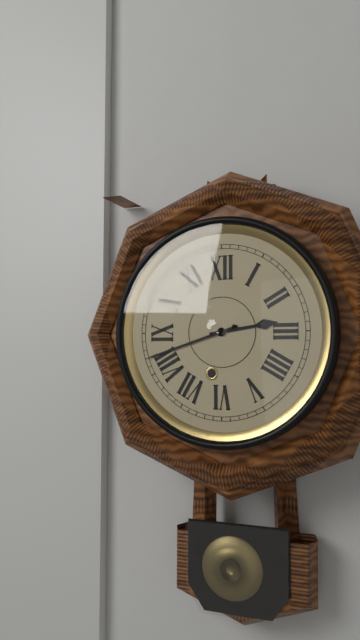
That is h=2 m=42
